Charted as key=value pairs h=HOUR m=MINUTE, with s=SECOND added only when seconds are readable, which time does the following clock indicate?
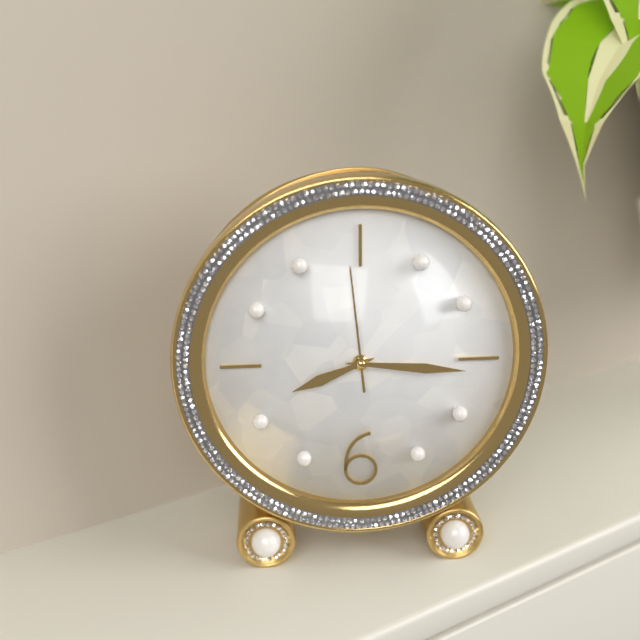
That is h=8 m=16 s=59
